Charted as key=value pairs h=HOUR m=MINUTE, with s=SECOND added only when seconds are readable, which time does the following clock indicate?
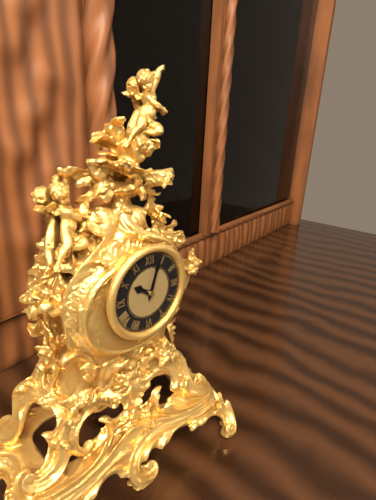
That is h=10 m=3
